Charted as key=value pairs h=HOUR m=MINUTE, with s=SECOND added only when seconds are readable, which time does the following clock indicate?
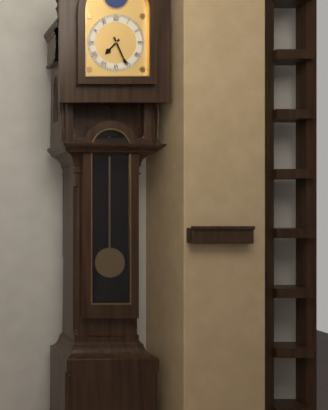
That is h=7 m=26
